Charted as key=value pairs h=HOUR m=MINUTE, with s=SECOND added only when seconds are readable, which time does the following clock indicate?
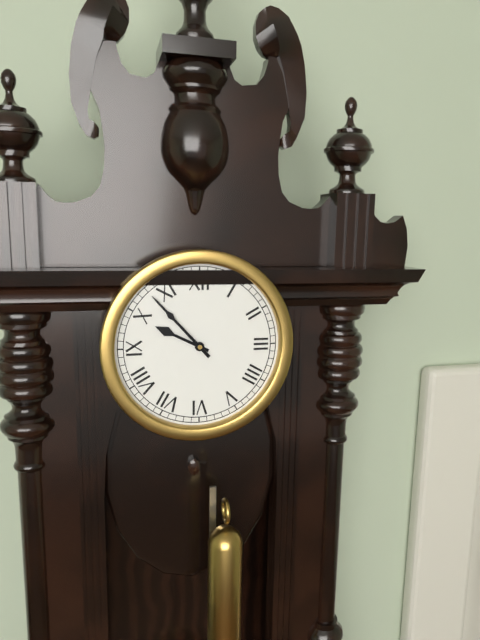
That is h=9 m=53
